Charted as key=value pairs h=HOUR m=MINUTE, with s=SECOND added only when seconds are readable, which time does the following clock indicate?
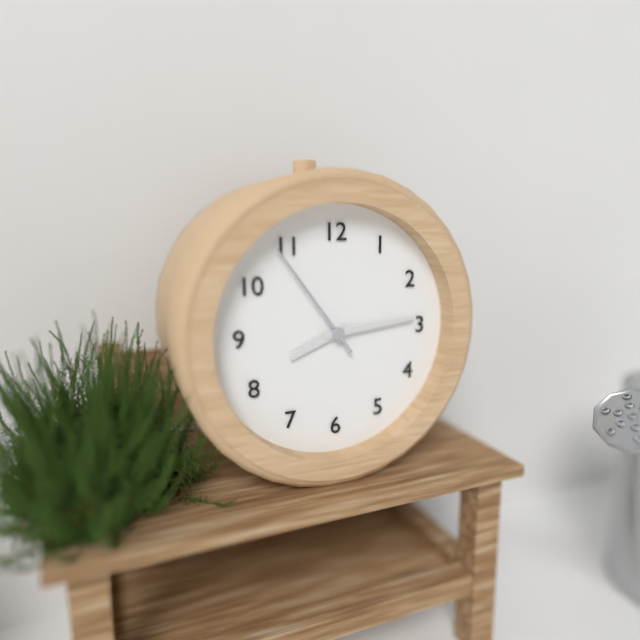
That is h=8 m=14 s=54
